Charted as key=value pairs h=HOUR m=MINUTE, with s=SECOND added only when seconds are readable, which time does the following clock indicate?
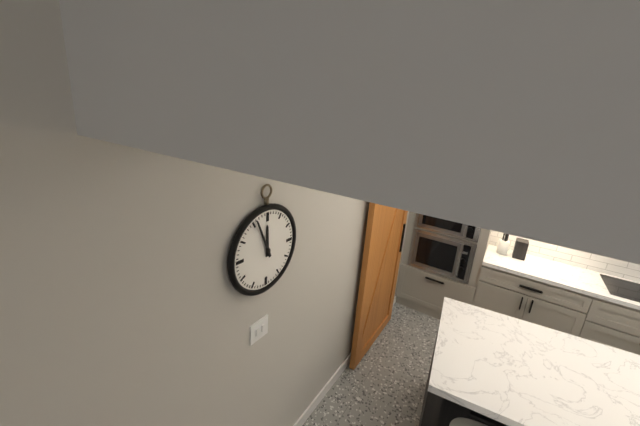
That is h=11 m=56
